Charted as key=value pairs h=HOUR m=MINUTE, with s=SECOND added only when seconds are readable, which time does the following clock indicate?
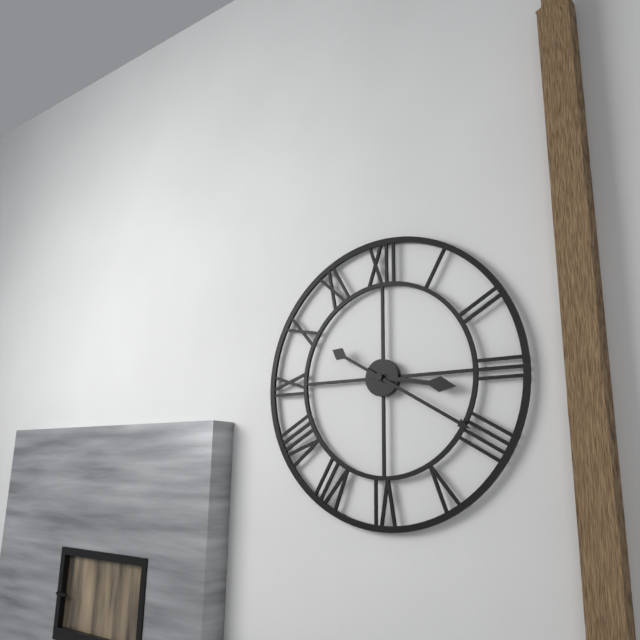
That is h=3 m=20
